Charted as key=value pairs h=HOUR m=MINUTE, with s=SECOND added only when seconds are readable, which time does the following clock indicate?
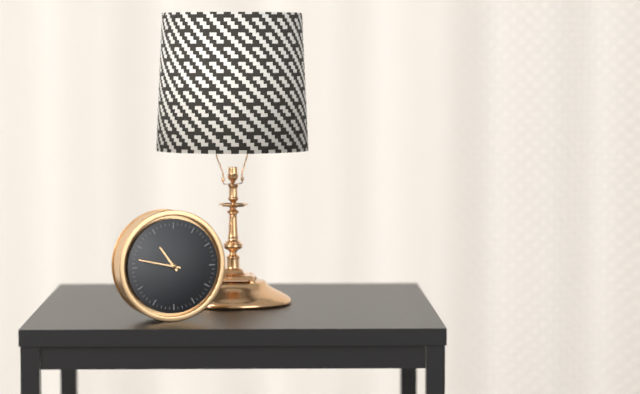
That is h=10 m=47
